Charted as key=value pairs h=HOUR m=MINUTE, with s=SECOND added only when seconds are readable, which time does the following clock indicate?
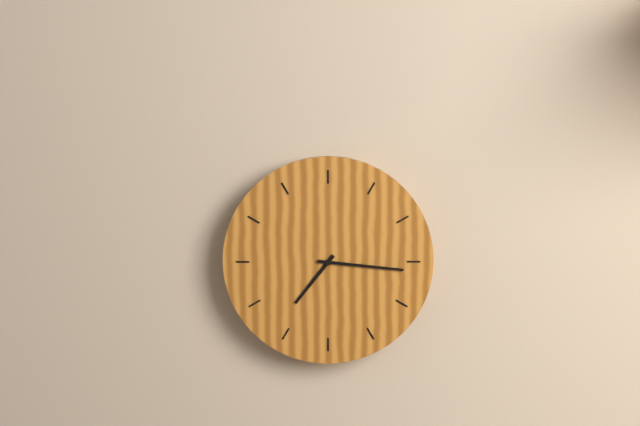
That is h=7 m=16
